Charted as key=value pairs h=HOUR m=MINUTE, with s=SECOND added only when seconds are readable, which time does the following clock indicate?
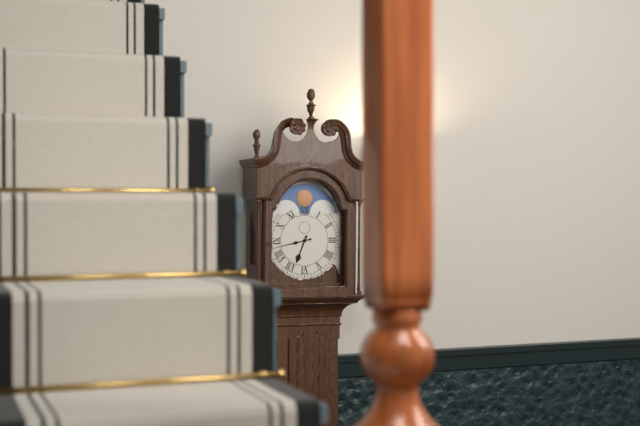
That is h=6 m=43
